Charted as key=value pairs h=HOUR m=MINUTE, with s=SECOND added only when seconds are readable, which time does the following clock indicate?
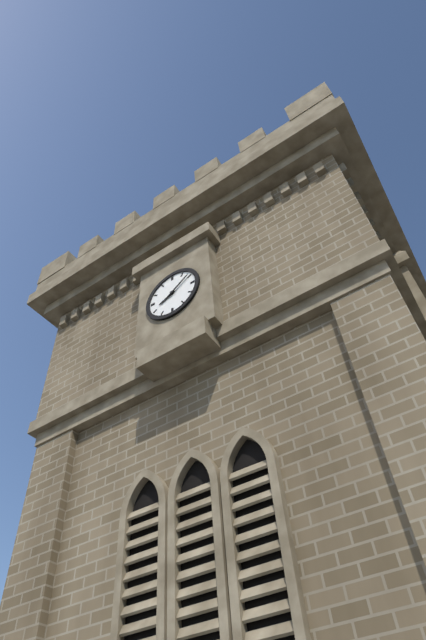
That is h=8 m=9
